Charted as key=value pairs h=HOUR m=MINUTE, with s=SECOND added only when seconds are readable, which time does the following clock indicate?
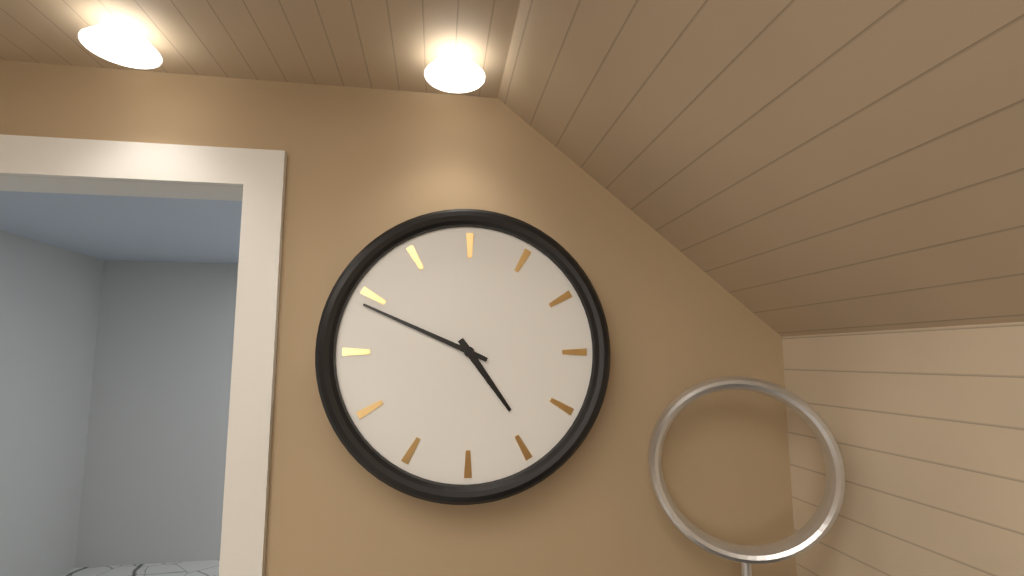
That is h=4 m=49
